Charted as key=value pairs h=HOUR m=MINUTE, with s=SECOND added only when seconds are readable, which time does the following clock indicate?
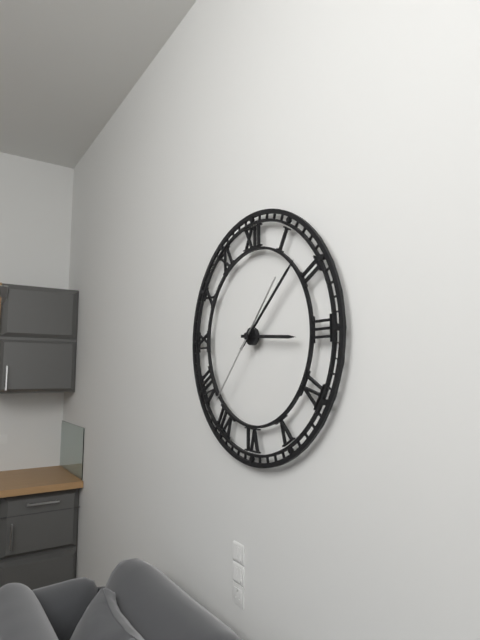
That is h=3 m=8 s=37
